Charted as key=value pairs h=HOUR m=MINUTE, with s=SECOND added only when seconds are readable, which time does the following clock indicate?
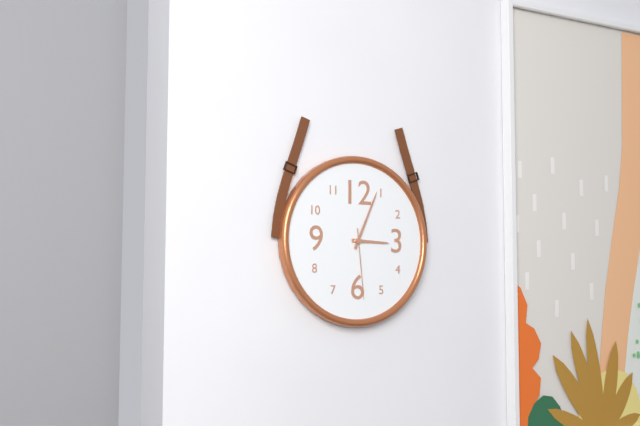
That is h=3 m=4 s=29
